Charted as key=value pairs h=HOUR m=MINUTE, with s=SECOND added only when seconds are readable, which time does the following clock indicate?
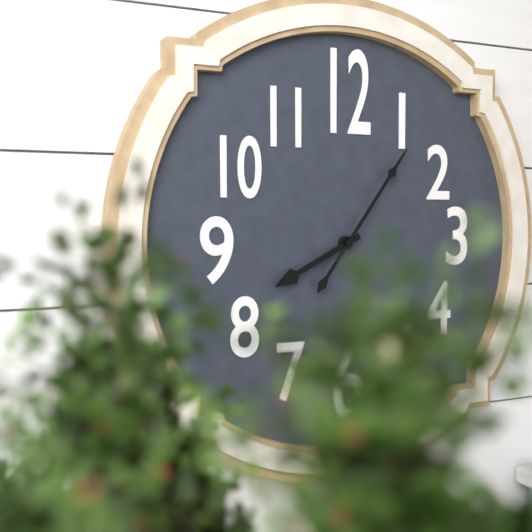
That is h=8 m=6
